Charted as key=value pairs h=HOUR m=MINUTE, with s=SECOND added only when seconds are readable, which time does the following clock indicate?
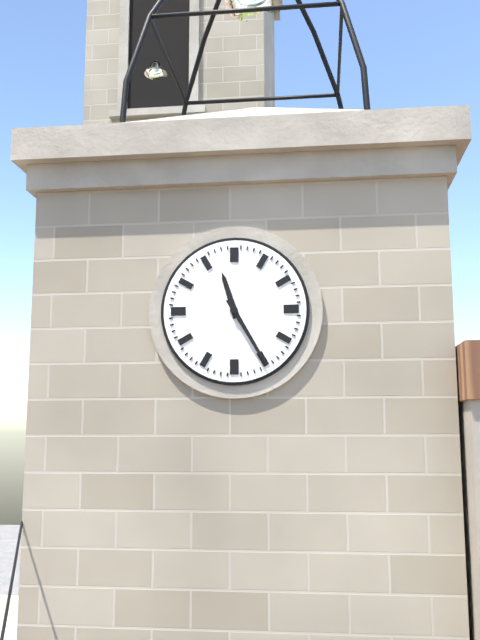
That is h=11 m=25
